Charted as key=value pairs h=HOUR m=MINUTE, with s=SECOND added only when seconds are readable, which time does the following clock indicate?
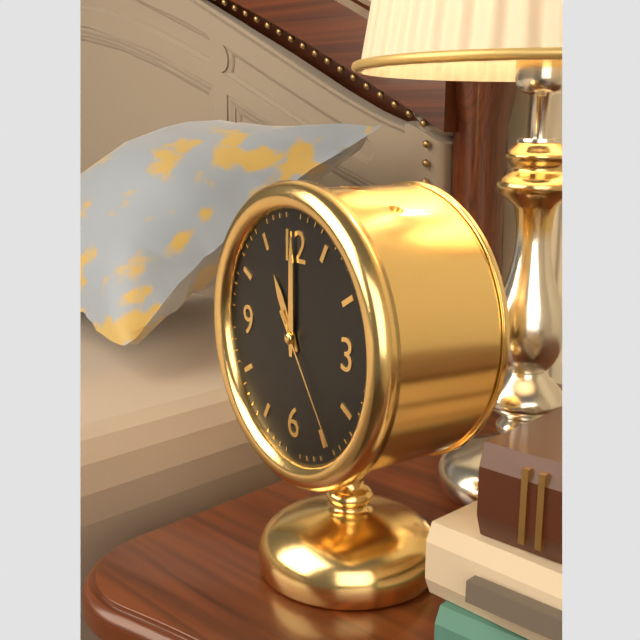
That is h=11 m=0 s=24
